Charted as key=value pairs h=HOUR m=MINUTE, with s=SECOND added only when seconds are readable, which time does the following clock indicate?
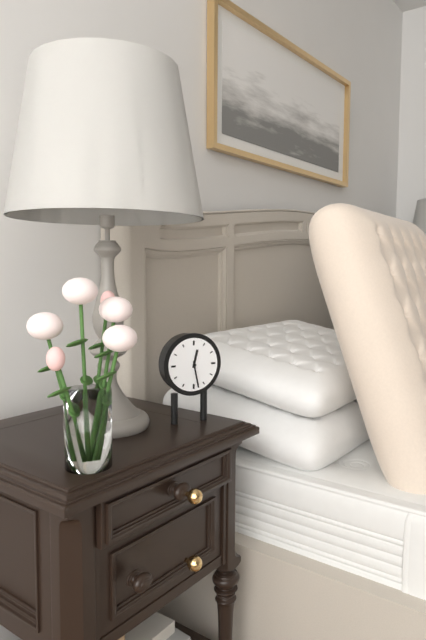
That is h=12 m=28
